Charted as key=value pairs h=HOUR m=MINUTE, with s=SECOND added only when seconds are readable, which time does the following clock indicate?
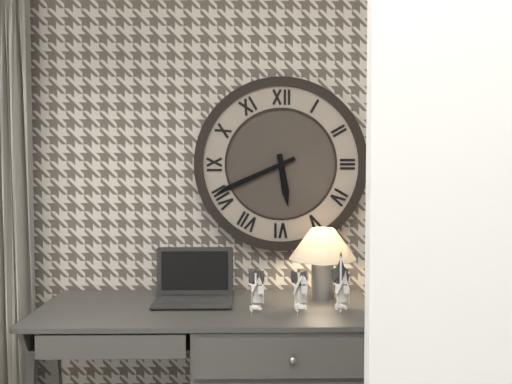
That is h=5 m=41
